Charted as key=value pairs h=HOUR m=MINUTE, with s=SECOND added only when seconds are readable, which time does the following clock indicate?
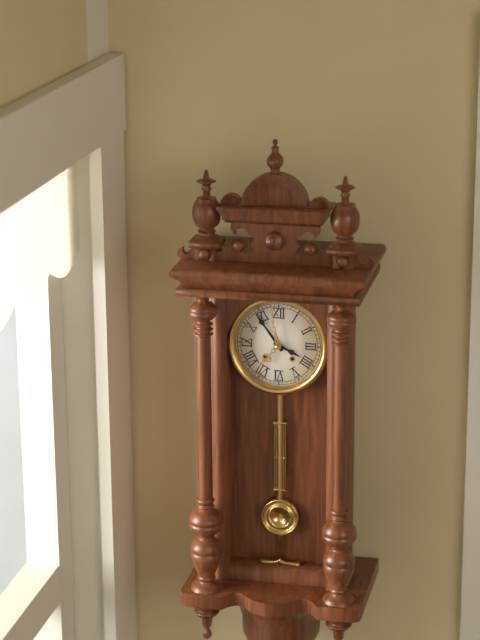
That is h=3 m=54
